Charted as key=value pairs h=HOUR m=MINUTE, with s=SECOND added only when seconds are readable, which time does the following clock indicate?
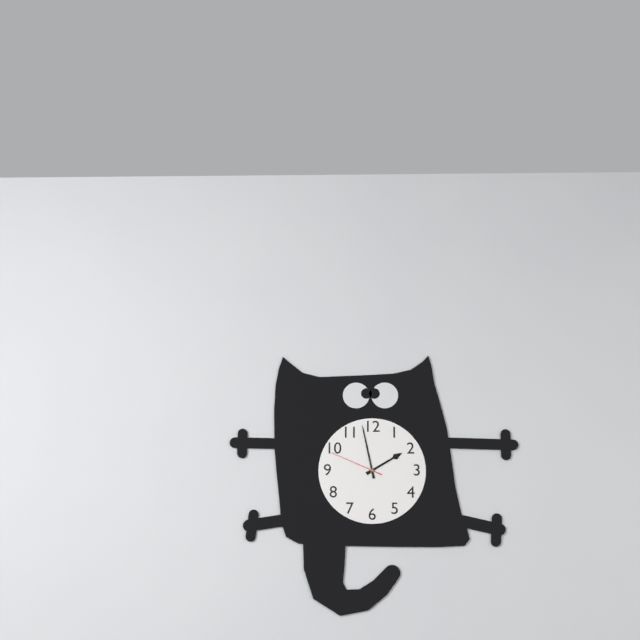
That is h=1 m=58 s=49
